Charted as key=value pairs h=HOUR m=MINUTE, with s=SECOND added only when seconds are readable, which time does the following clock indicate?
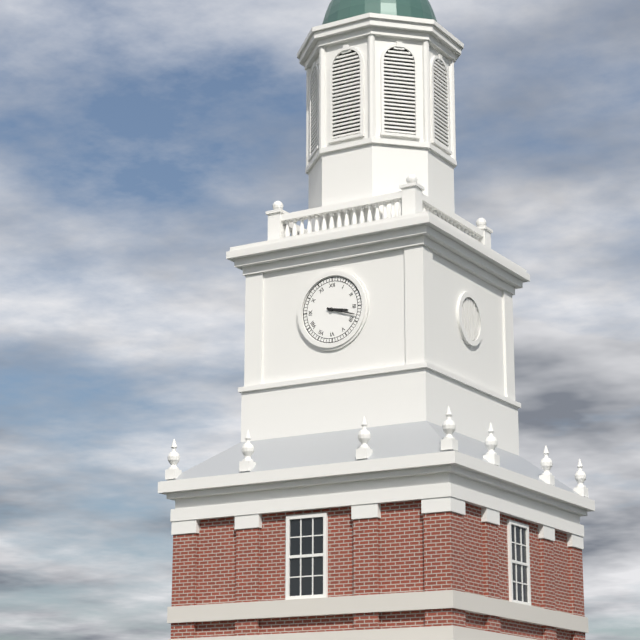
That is h=3 m=18
